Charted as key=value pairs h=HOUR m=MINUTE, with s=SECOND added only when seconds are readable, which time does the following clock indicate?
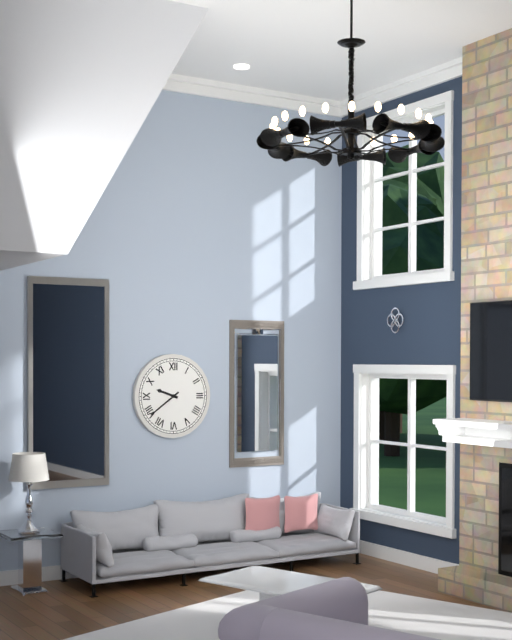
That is h=9 m=39
